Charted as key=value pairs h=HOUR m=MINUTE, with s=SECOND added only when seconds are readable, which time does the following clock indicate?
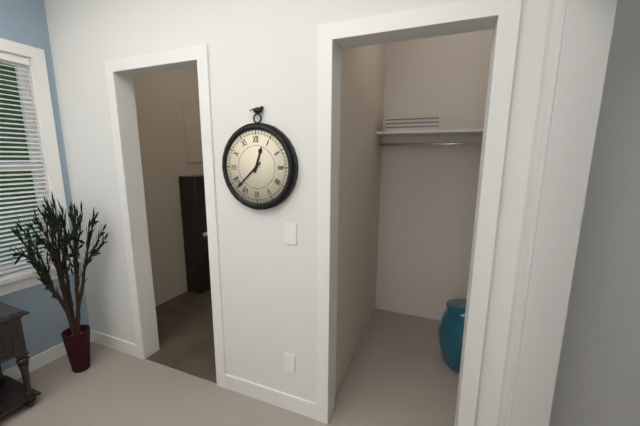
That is h=12 m=38
